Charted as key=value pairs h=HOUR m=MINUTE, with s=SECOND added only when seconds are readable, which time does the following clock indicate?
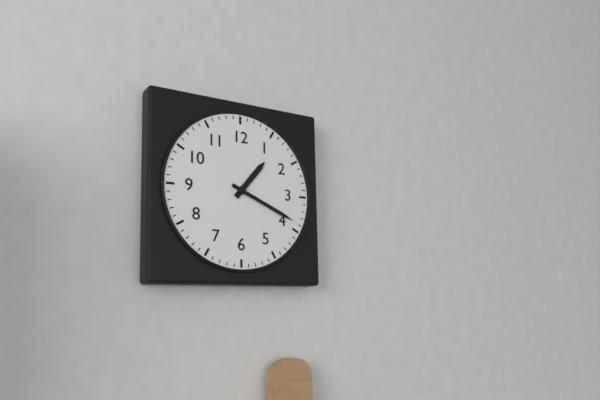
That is h=1 m=19
